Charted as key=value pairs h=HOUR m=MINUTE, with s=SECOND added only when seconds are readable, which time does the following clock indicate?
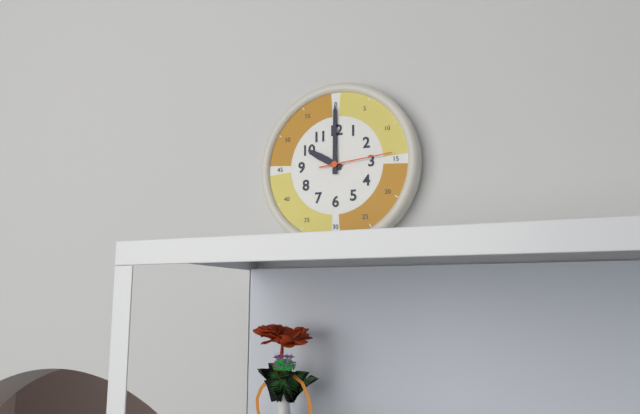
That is h=10 m=0 s=14
